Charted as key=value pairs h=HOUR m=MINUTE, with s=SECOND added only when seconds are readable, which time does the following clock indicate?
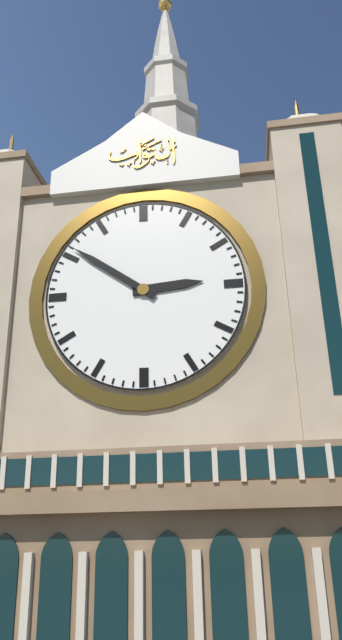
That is h=2 m=51
